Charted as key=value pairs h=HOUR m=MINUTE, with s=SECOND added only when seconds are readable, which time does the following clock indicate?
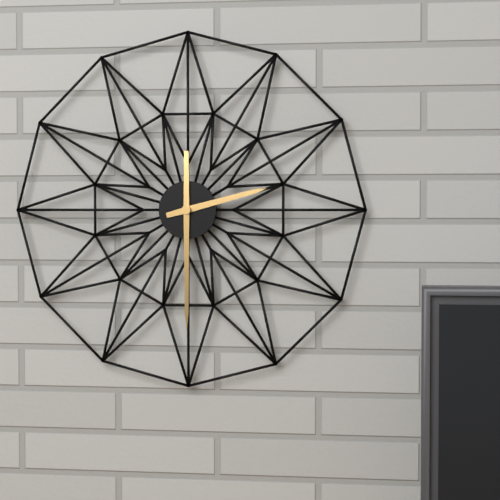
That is h=2 m=30
